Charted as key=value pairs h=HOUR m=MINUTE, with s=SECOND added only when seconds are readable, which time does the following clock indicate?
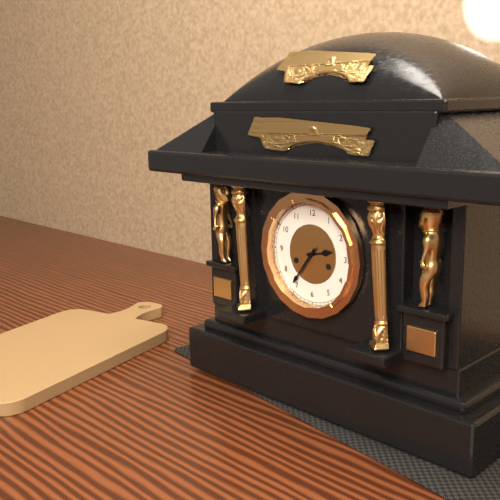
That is h=2 m=36
